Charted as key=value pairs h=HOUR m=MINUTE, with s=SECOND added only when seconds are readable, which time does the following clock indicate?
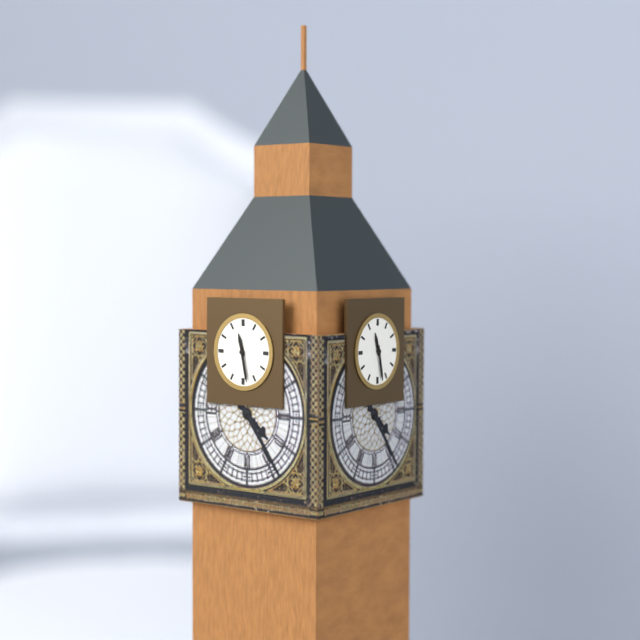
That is h=11 m=28
